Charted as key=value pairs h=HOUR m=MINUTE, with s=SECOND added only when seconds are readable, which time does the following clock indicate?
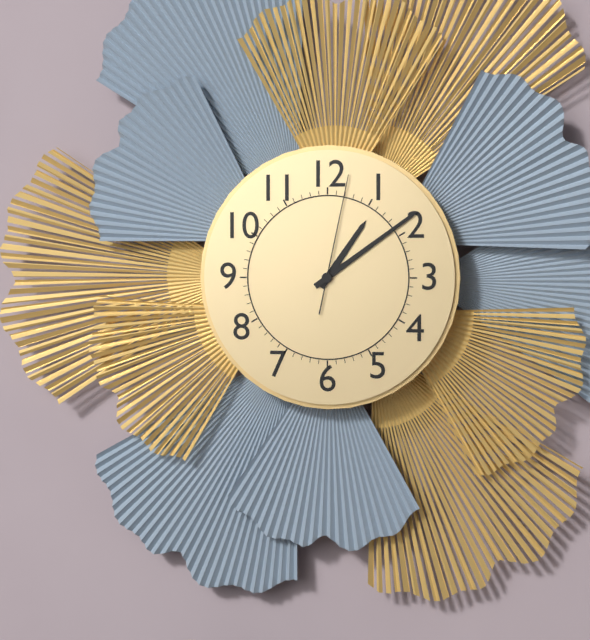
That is h=1 m=9 s=2
